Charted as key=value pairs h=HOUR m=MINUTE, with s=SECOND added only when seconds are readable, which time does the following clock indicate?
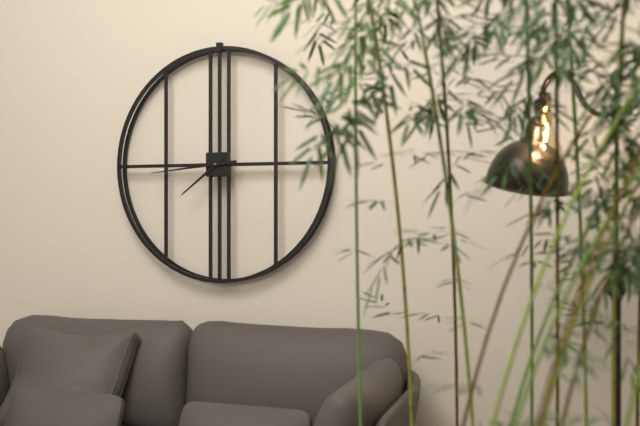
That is h=7 m=44
